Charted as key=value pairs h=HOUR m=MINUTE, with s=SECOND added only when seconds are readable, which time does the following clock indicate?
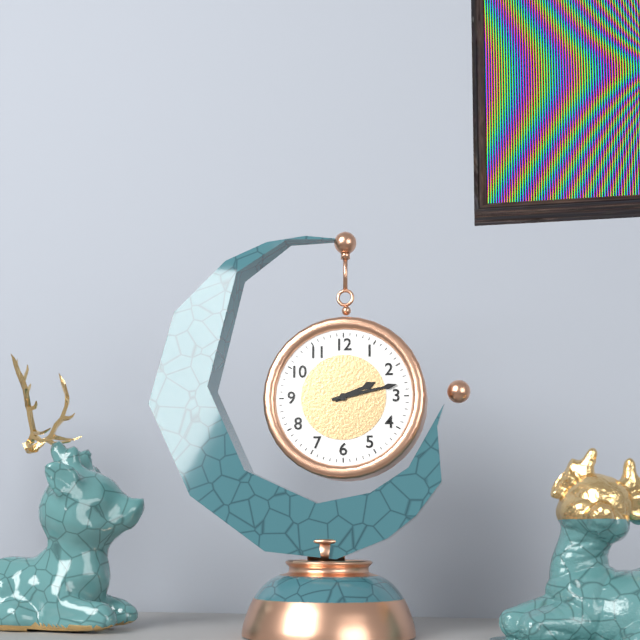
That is h=2 m=13
